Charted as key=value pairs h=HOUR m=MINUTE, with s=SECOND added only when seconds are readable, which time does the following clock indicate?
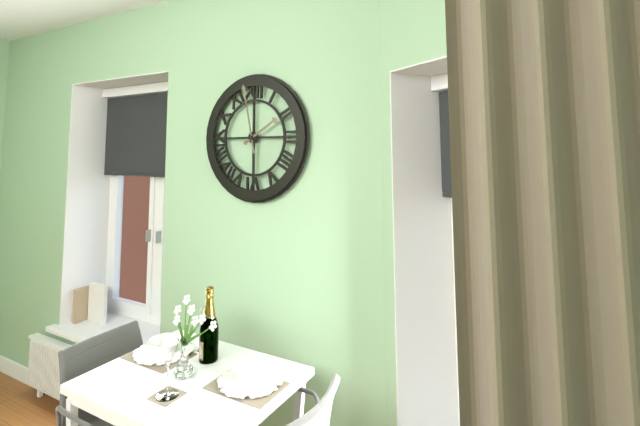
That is h=1 m=58
